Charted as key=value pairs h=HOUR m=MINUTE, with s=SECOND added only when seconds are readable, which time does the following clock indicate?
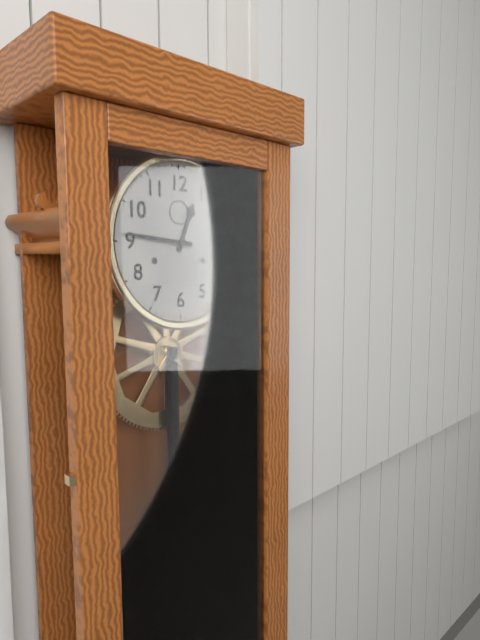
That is h=12 m=46
